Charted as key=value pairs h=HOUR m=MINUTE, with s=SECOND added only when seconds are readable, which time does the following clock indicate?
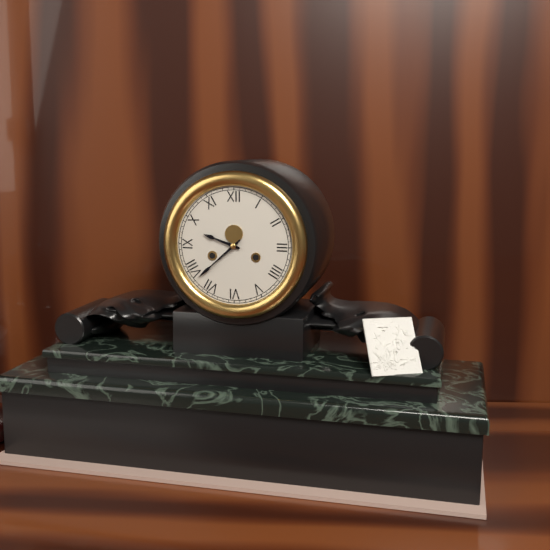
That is h=9 m=38
